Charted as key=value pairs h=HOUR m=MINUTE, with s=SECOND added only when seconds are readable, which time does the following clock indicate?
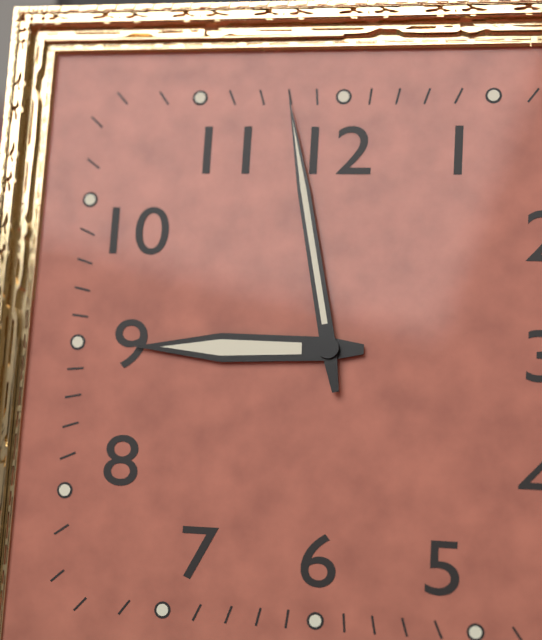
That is h=8 m=58
